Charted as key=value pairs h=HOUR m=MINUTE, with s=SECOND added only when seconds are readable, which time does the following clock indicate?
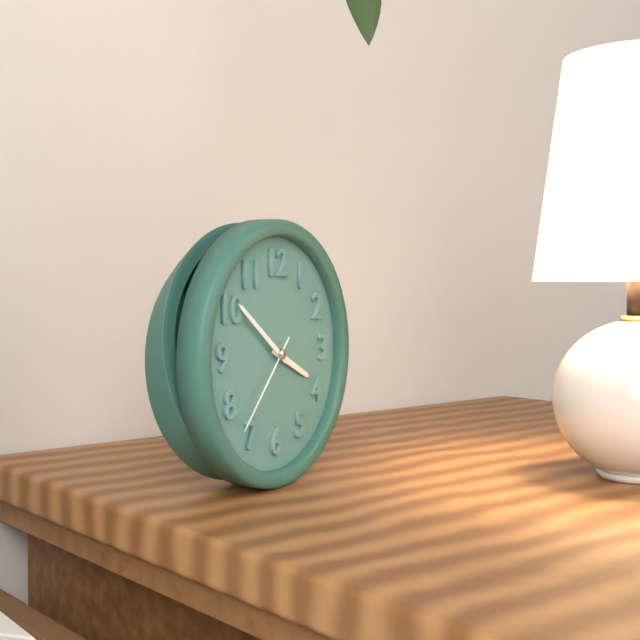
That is h=3 m=51 s=37
